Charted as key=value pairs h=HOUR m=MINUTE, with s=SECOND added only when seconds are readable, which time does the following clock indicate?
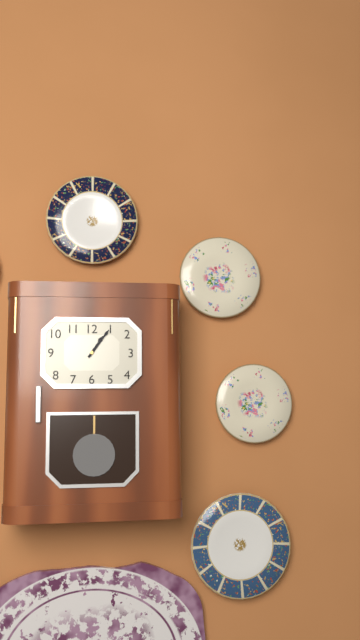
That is h=1 m=6
